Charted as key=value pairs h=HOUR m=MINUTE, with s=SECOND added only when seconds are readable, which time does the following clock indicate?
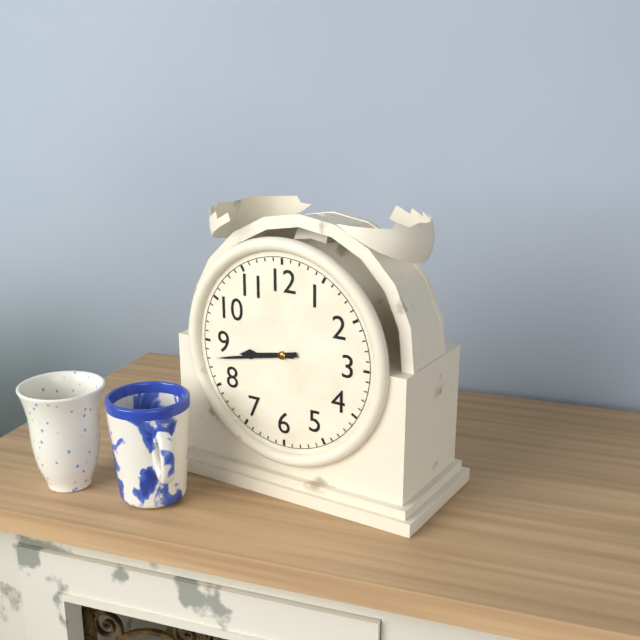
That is h=8 m=43
